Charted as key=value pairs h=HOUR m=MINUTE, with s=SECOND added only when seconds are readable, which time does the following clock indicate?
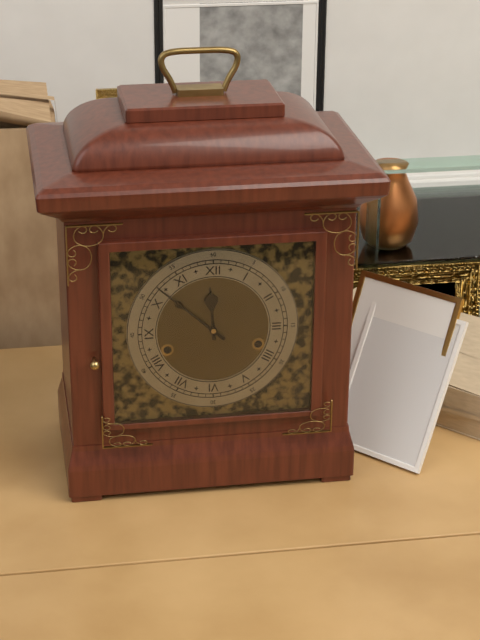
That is h=11 m=52
